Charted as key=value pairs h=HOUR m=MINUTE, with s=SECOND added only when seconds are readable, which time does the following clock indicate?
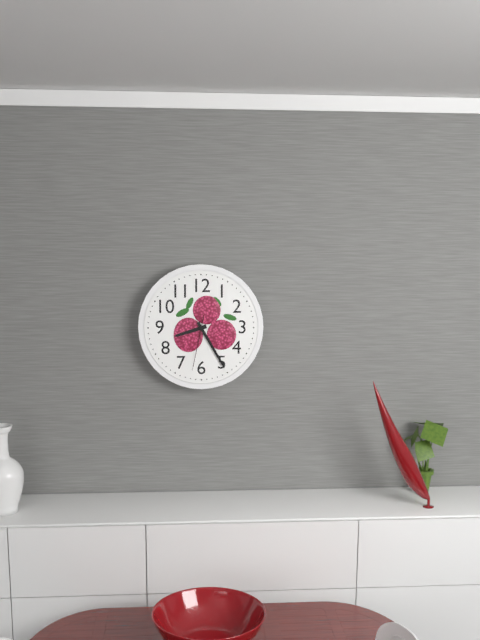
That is h=8 m=25 s=32
